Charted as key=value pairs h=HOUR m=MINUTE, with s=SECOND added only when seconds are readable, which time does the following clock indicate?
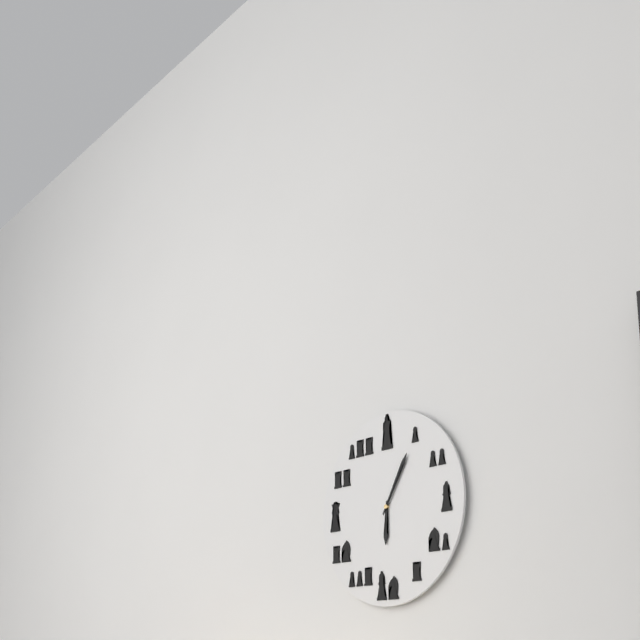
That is h=6 m=5
